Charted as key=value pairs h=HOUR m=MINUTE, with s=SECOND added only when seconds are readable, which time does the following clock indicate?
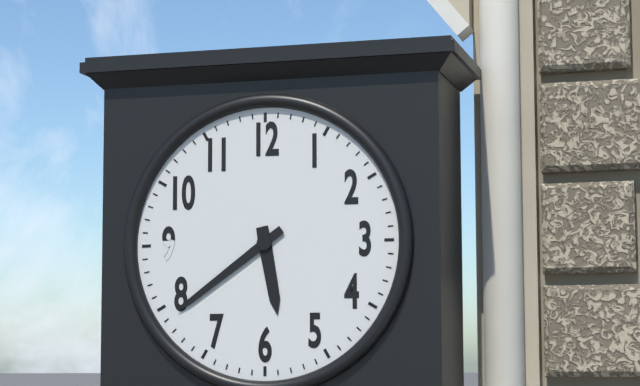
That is h=5 m=39
